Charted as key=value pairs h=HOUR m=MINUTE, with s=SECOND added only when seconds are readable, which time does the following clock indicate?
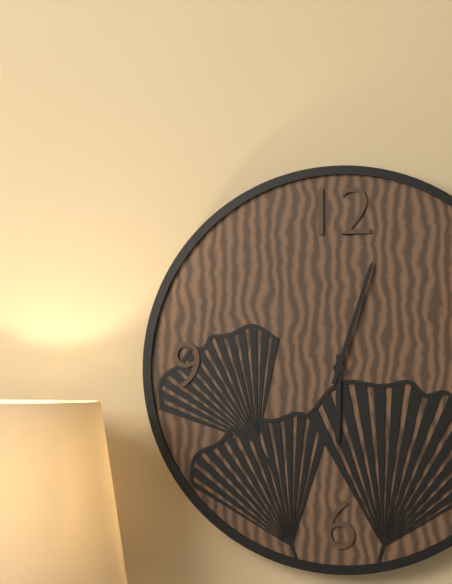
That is h=6 m=3
